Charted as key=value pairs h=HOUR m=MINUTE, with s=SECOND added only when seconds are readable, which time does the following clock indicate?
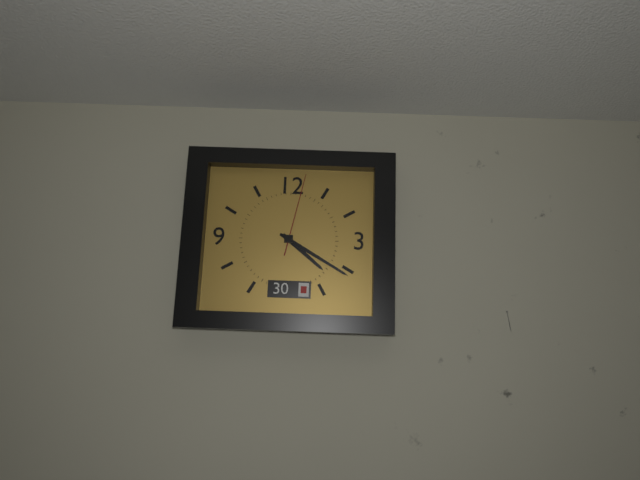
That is h=4 m=20 s=2
